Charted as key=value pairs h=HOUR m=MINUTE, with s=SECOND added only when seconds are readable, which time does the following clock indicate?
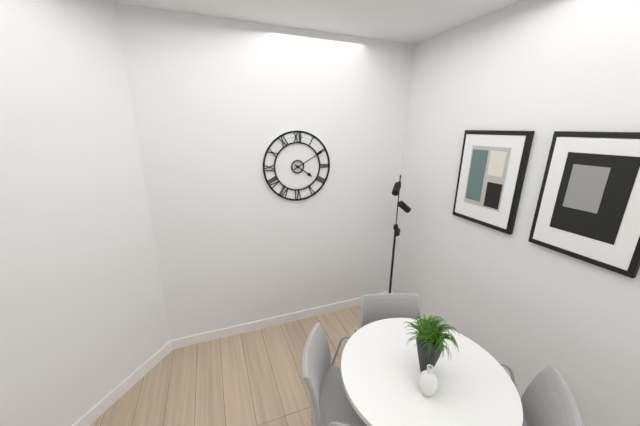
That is h=4 m=10
